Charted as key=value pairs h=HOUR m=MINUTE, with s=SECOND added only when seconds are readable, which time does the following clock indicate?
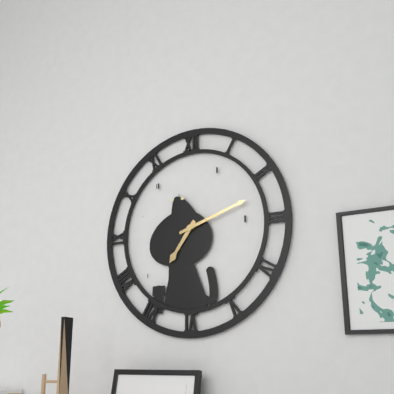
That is h=7 m=12
